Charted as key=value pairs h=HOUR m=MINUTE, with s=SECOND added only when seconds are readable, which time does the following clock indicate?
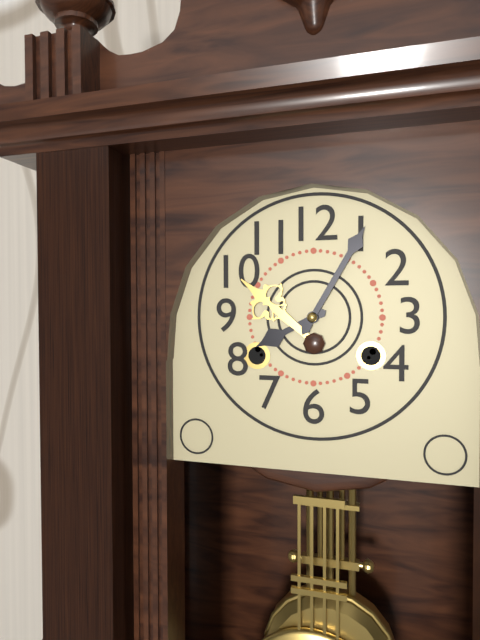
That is h=8 m=5
